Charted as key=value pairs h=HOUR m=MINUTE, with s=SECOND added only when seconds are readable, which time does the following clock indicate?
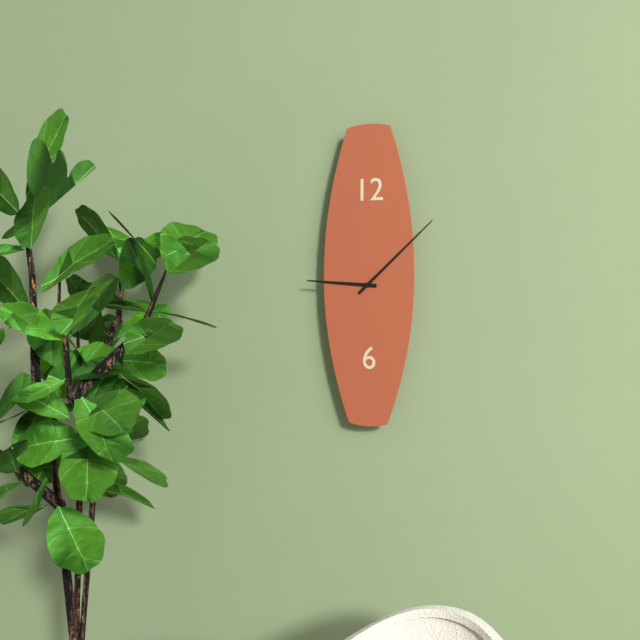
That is h=9 m=8
